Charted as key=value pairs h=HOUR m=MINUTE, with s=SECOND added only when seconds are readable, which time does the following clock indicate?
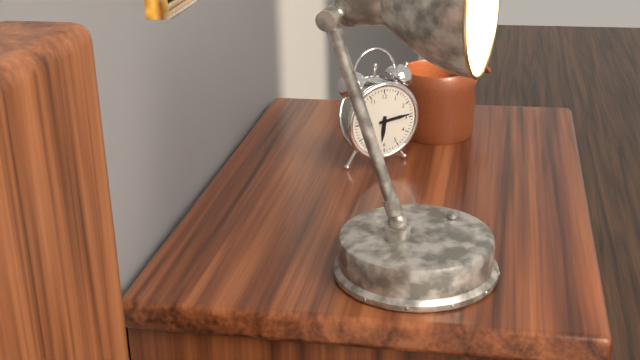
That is h=6 m=14
